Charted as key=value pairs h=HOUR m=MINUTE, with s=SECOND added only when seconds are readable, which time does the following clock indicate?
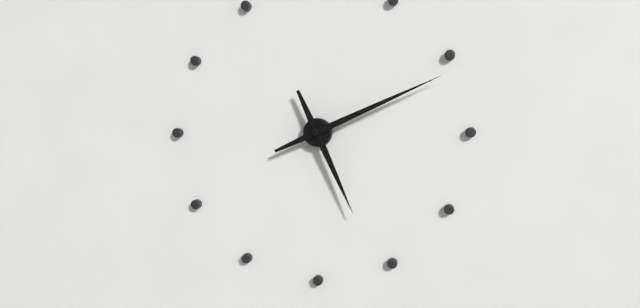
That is h=5 m=11
